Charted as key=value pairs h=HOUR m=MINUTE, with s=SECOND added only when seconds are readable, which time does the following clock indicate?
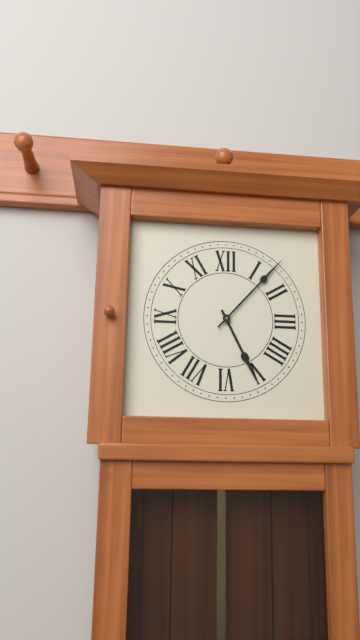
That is h=5 m=7
